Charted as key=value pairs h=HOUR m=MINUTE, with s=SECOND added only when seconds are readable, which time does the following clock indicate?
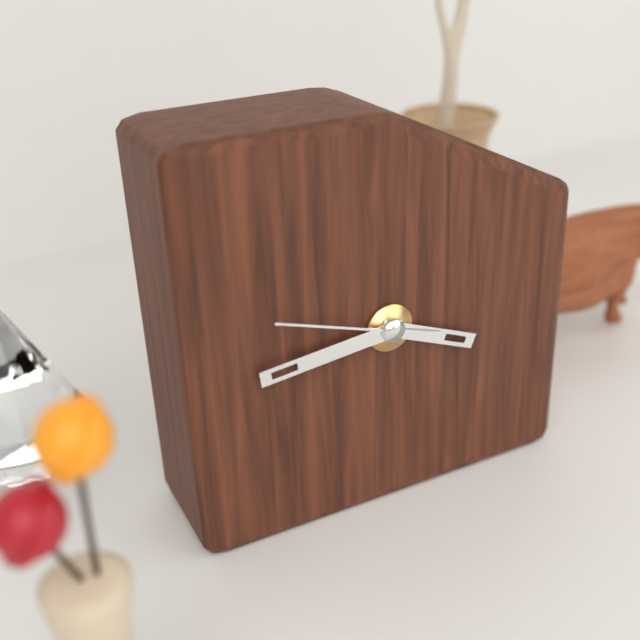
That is h=3 m=44 s=48
